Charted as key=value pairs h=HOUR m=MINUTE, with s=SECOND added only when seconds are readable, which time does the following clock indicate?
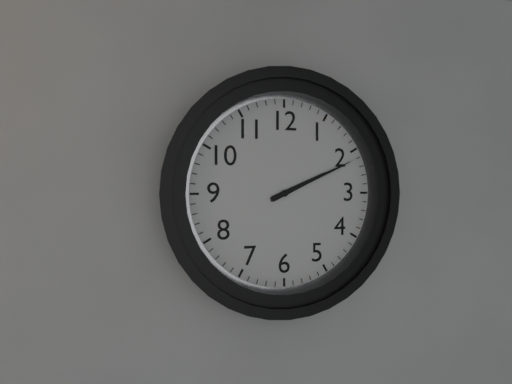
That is h=2 m=11
